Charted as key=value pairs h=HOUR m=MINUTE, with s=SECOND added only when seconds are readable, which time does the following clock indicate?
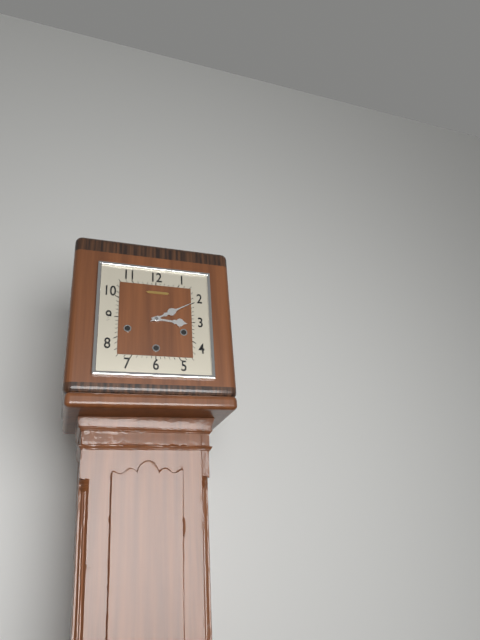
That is h=3 m=10
